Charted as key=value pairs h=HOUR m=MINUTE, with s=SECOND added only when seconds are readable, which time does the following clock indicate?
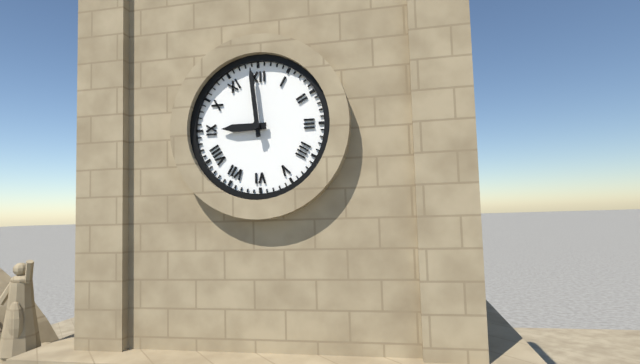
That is h=8 m=59
